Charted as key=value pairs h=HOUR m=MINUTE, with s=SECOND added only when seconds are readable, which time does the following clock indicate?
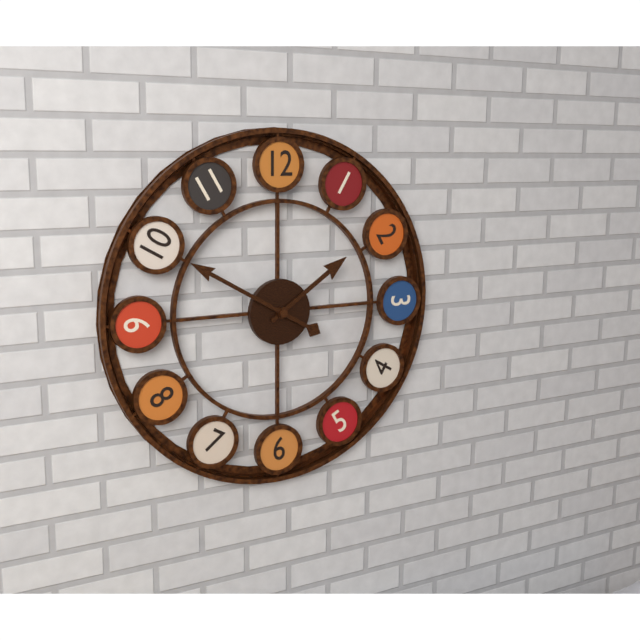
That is h=1 m=50
